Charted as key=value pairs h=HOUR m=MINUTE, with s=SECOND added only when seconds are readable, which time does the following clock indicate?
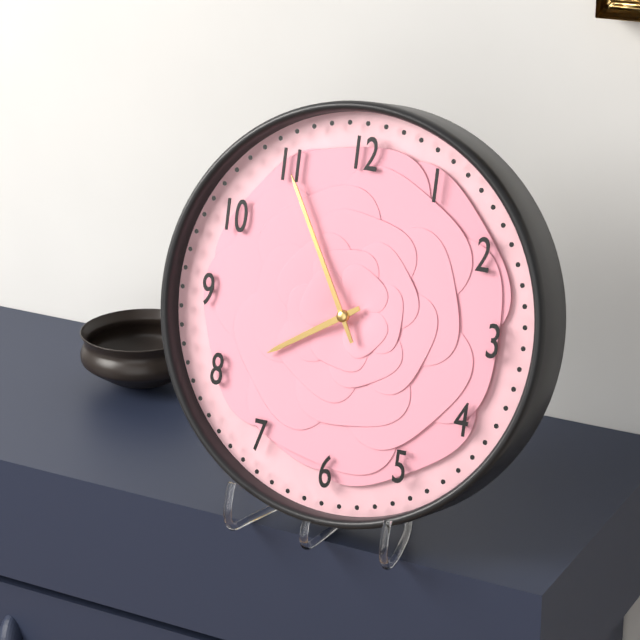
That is h=7 m=55
